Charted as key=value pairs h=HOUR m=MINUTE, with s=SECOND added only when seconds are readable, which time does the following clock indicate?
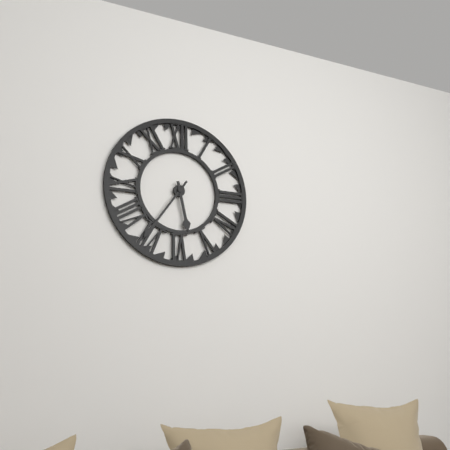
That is h=5 m=36
